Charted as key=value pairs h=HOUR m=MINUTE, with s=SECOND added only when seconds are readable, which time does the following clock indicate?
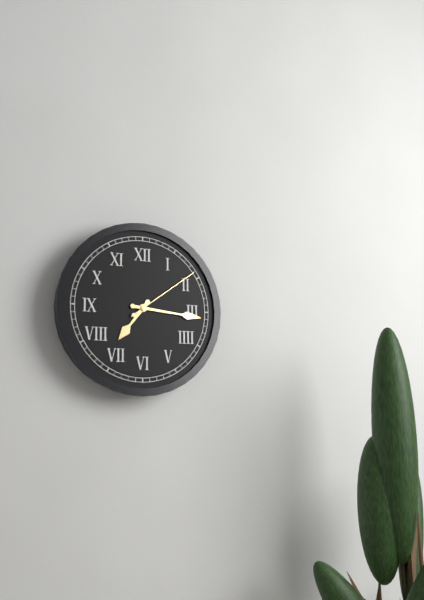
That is h=7 m=16 s=9
